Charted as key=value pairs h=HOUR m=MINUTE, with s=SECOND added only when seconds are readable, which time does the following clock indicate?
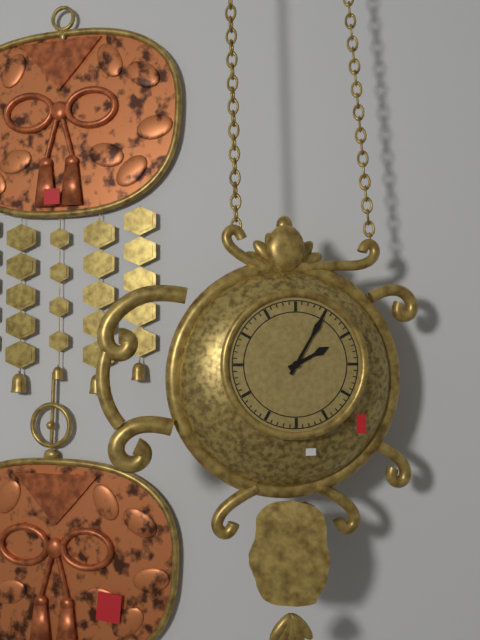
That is h=2 m=5
